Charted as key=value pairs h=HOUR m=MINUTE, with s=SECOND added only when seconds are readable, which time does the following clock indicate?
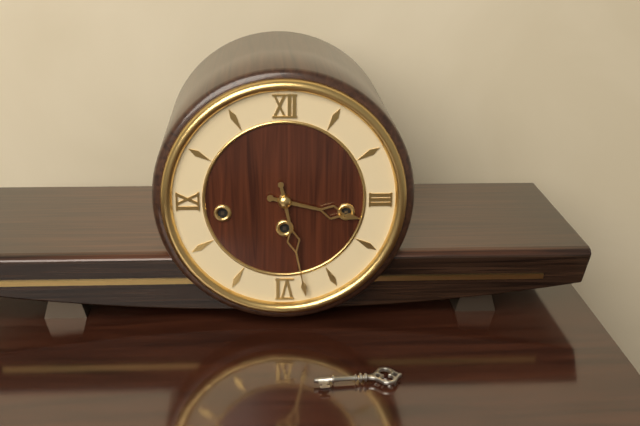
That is h=3 m=28
